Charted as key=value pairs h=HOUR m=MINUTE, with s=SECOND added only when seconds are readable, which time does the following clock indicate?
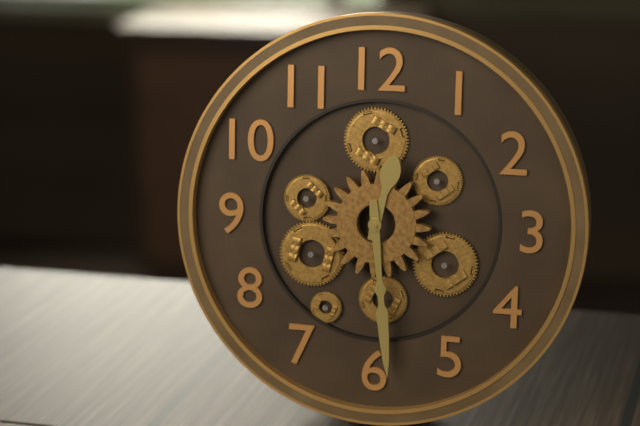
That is h=12 m=29
